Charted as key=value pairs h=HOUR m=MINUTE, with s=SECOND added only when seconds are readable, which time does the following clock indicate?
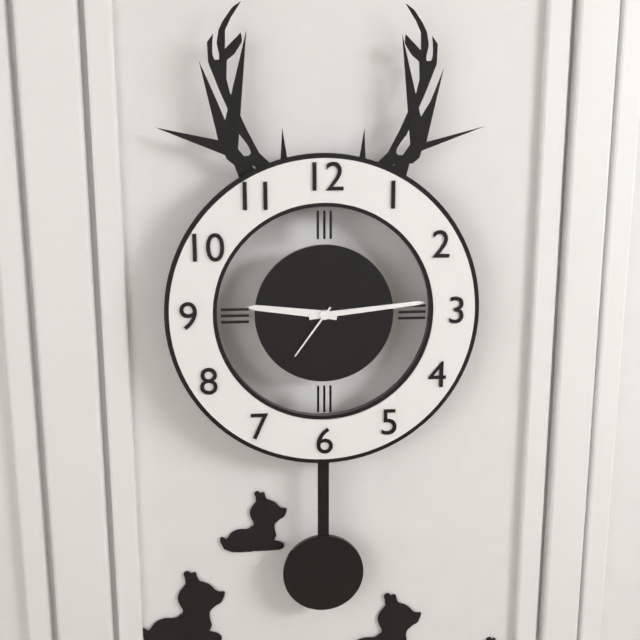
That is h=9 m=14 s=36
